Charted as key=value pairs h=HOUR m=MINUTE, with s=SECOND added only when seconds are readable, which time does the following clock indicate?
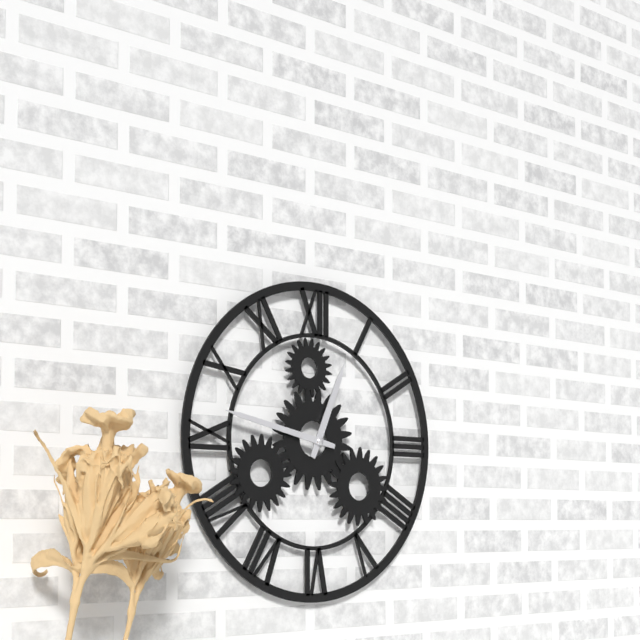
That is h=12 m=47
